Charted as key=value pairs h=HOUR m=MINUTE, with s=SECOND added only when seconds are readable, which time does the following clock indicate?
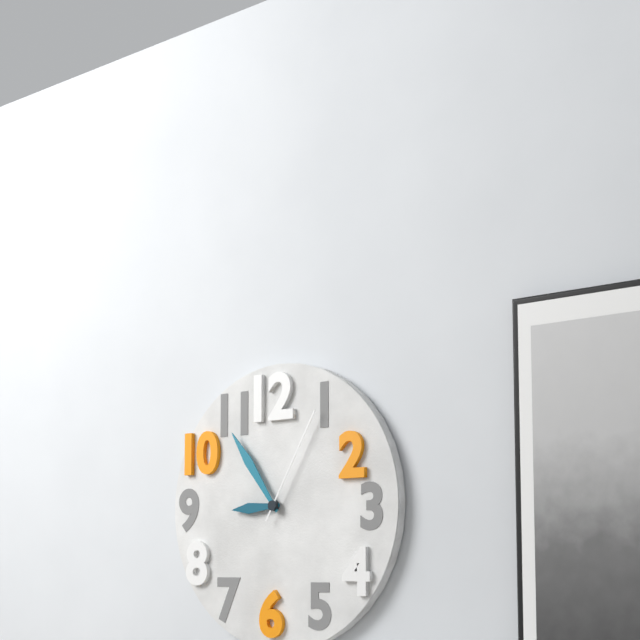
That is h=8 m=54 s=5
